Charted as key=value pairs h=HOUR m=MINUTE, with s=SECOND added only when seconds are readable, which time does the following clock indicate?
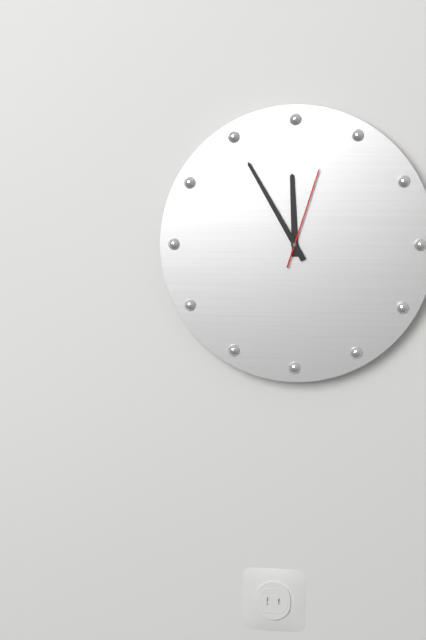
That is h=11 m=55 s=3
